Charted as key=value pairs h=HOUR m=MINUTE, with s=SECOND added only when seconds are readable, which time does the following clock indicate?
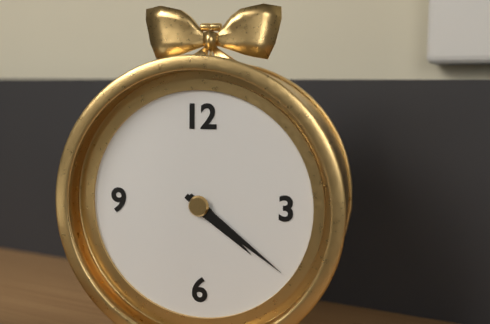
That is h=4 m=21
